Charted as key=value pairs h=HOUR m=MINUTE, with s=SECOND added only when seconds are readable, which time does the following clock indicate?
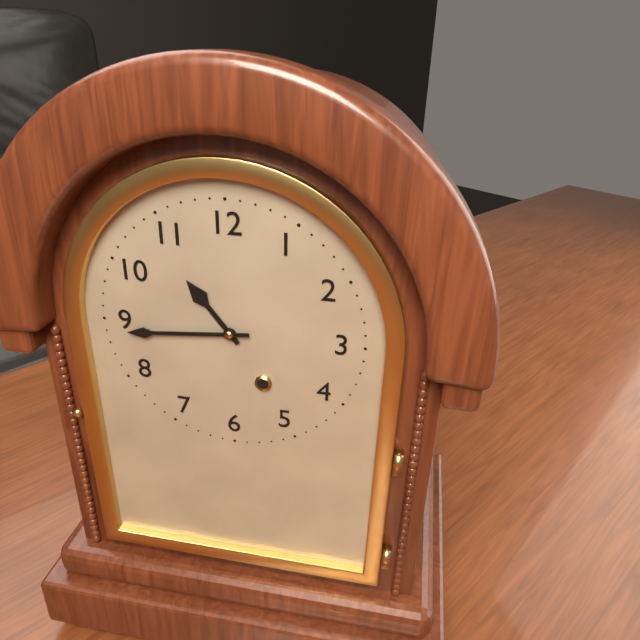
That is h=10 m=44
